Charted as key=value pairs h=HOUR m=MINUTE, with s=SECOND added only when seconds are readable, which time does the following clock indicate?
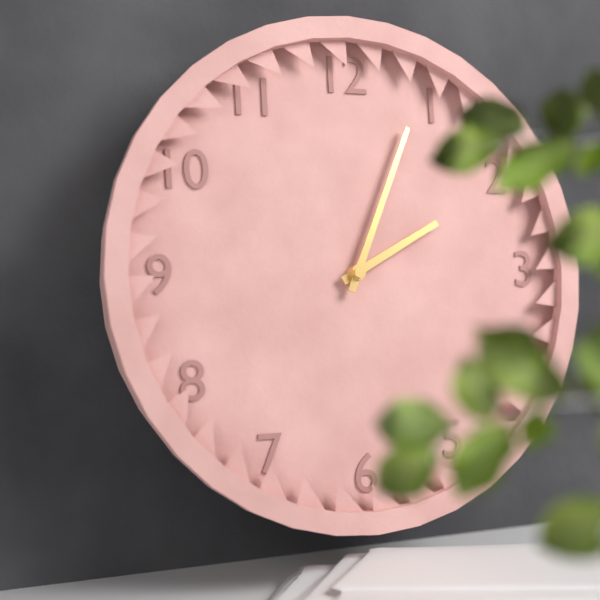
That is h=2 m=4
